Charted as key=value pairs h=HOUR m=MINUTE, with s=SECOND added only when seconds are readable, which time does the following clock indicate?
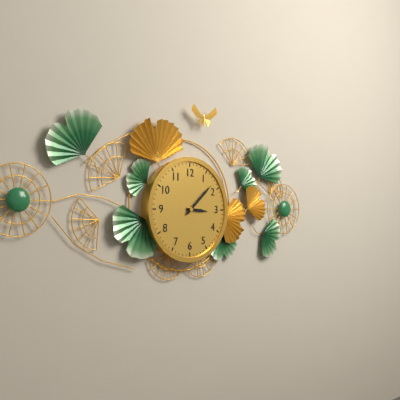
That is h=3 m=8
